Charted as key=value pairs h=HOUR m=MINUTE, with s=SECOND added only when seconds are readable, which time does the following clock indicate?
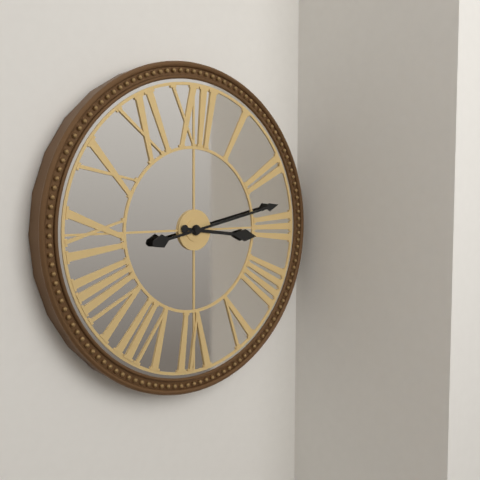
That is h=3 m=13
